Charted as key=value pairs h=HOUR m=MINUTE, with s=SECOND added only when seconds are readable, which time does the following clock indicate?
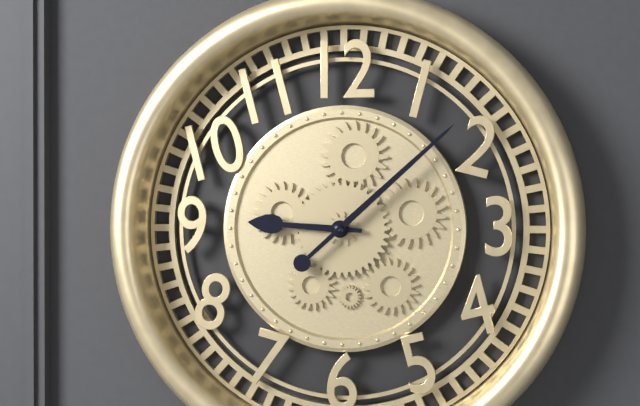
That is h=9 m=8
